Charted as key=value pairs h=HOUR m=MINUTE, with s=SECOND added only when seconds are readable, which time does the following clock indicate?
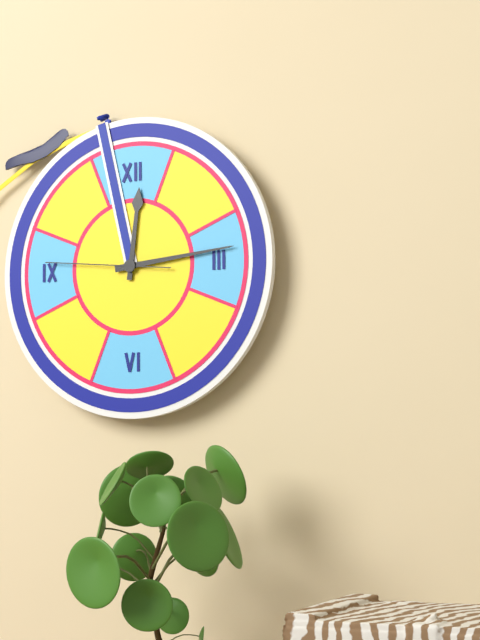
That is h=12 m=14 s=46
